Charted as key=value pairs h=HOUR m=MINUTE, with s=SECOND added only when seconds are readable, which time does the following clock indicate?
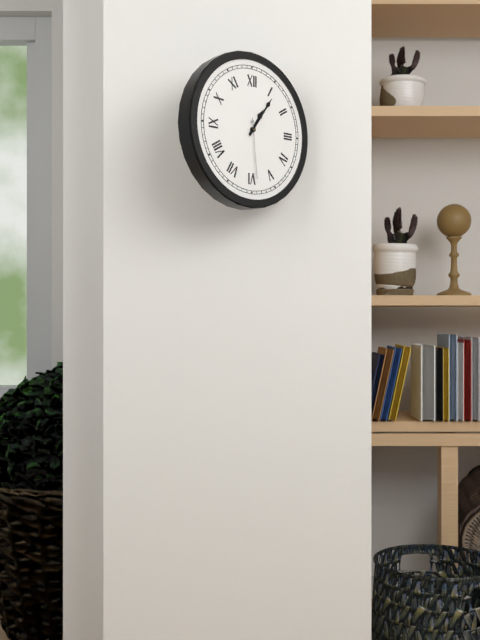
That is h=1 m=6 s=29
